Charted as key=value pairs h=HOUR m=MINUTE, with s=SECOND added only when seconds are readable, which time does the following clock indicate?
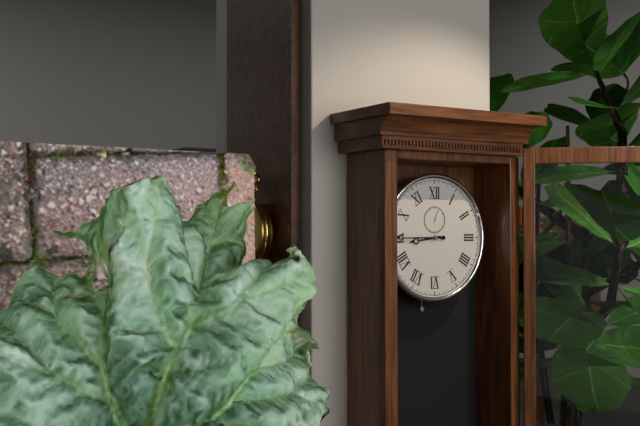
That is h=8 m=45
